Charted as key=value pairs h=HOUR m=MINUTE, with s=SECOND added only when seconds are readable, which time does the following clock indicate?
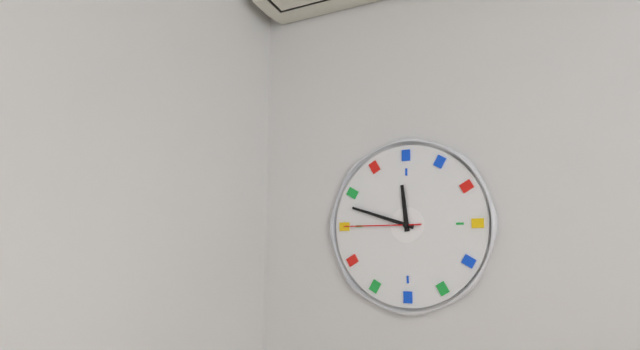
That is h=11 m=48 s=45
